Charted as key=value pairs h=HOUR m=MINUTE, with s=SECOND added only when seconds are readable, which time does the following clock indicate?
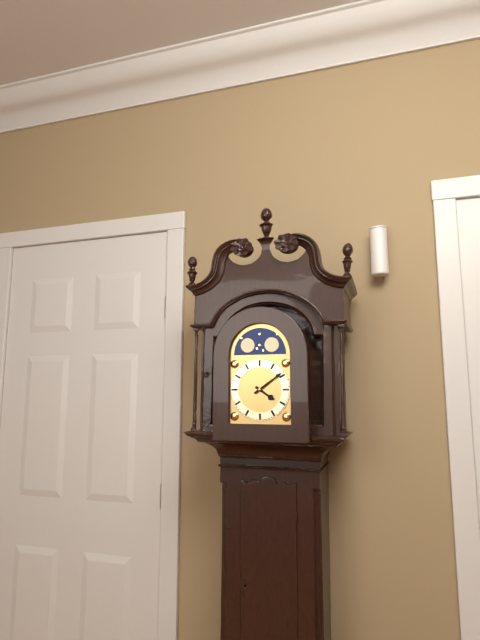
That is h=4 m=9
